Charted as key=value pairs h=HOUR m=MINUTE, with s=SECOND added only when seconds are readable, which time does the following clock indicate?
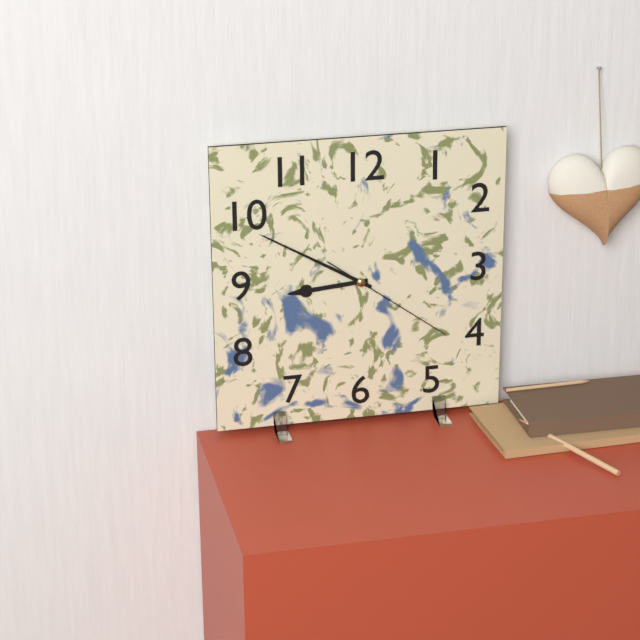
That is h=8 m=50 s=21
